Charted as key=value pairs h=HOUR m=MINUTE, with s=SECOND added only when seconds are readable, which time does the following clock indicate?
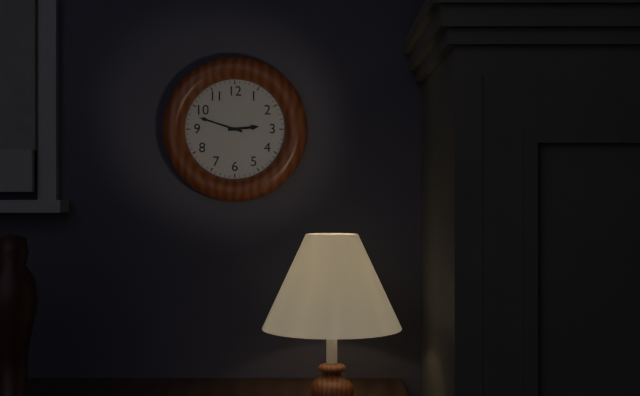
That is h=2 m=48
